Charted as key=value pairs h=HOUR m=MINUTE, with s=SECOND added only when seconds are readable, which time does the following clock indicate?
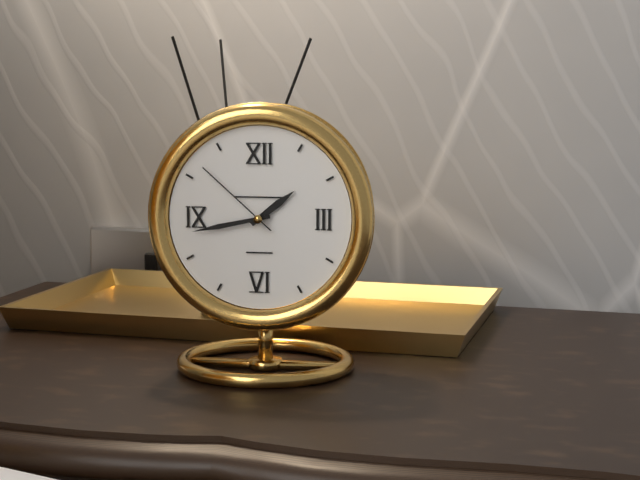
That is h=1 m=43 s=52
